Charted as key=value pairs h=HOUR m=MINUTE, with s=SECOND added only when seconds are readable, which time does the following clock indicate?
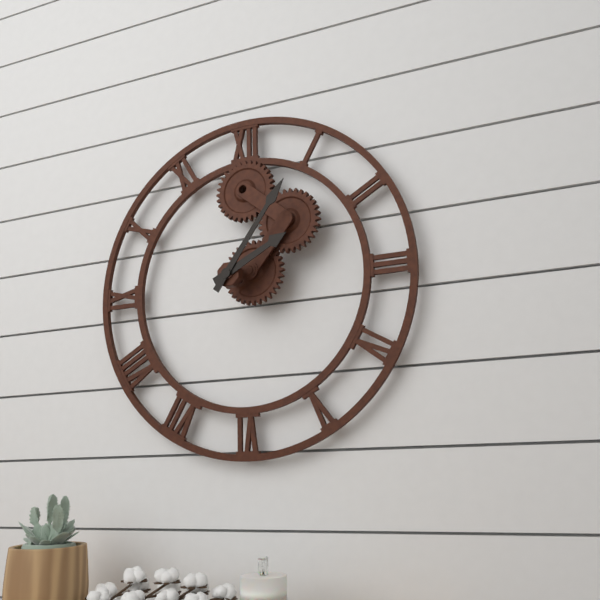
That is h=2 m=6
